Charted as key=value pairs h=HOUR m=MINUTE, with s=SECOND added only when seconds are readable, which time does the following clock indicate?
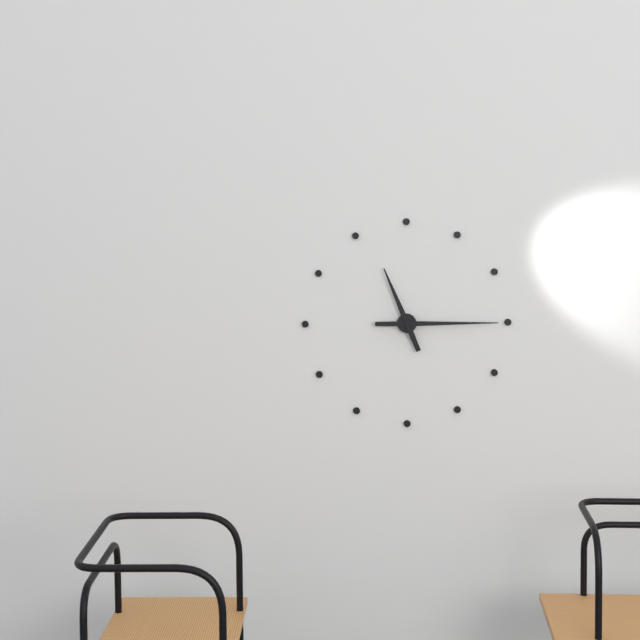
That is h=11 m=15
